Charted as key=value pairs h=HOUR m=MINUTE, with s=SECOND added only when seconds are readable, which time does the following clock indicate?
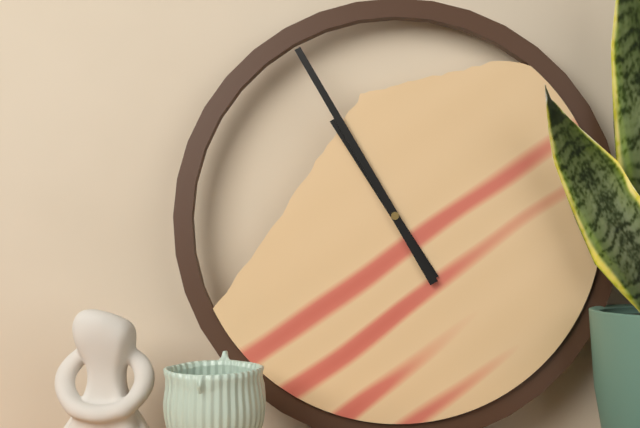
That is h=10 m=55
